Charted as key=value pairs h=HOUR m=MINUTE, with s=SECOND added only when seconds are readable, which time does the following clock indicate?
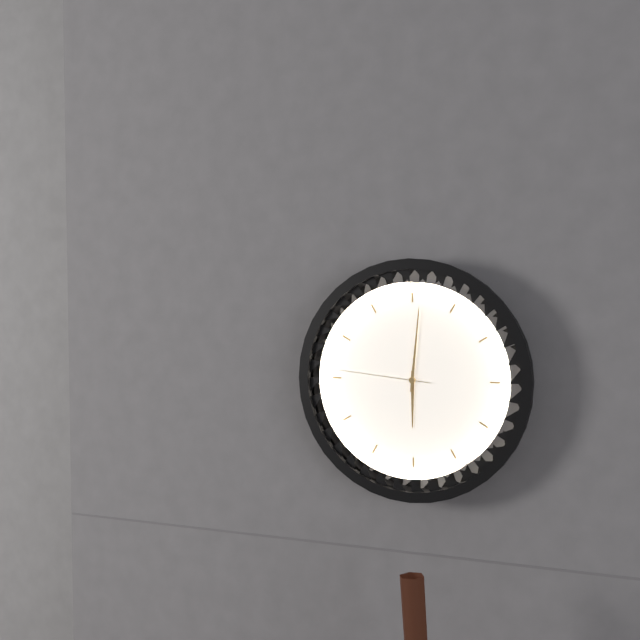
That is h=6 m=1 s=46
